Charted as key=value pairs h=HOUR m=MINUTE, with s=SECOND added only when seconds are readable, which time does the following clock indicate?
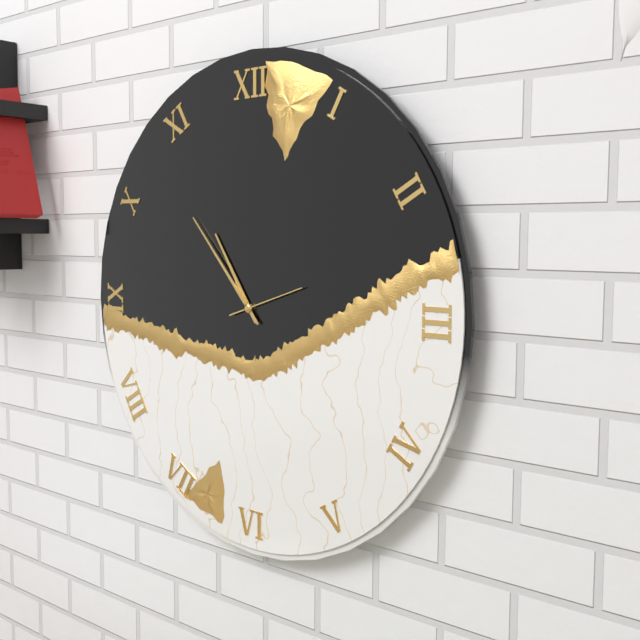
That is h=10 m=53 s=12
